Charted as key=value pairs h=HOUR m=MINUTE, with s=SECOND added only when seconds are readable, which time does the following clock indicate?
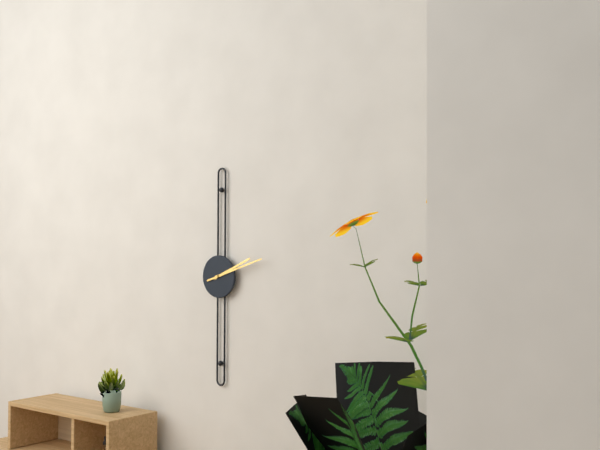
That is h=2 m=12
